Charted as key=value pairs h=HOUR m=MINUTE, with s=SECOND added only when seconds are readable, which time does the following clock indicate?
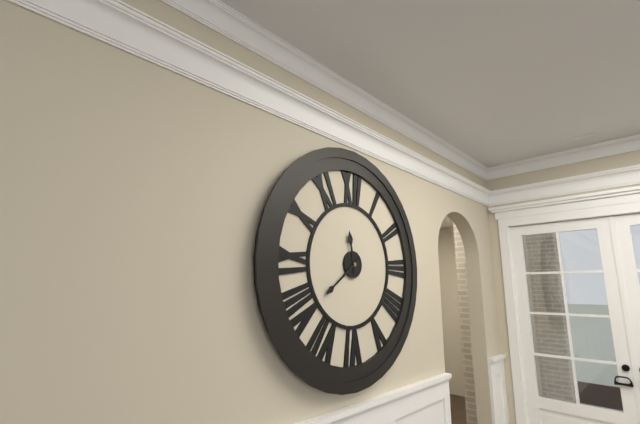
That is h=11 m=39
